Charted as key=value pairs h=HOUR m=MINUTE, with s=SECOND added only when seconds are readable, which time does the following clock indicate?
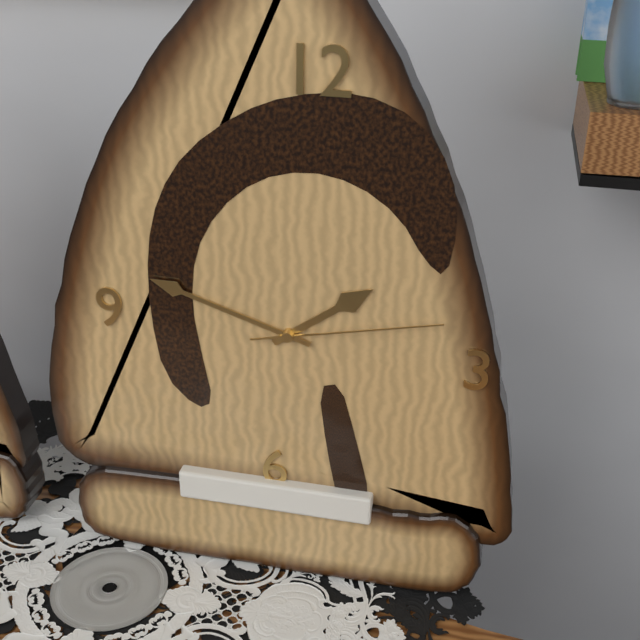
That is h=1 m=48 s=13
